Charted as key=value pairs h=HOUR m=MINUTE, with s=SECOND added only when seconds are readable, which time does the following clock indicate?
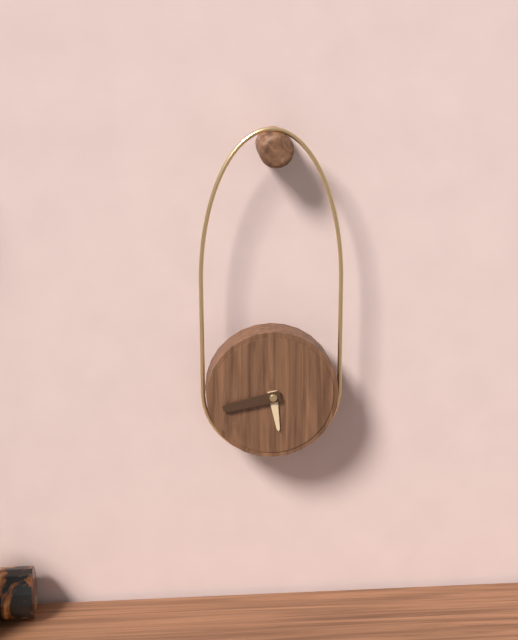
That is h=5 m=43
